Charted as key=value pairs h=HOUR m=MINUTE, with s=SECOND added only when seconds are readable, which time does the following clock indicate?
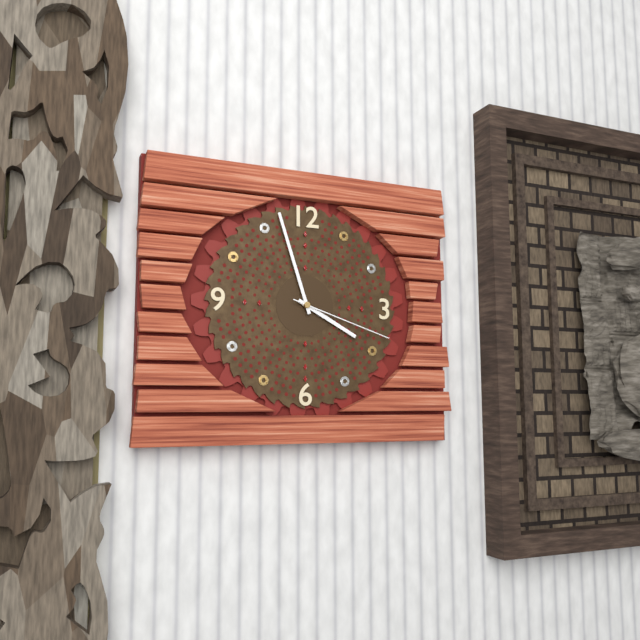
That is h=3 m=57 s=18
